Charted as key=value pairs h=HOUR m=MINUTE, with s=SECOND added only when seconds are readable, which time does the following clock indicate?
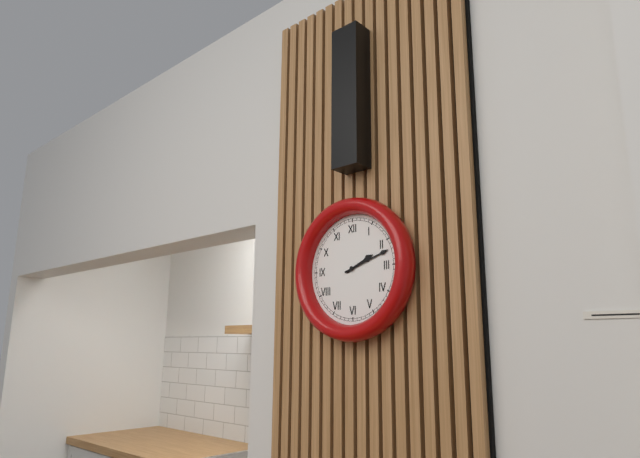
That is h=2 m=12
